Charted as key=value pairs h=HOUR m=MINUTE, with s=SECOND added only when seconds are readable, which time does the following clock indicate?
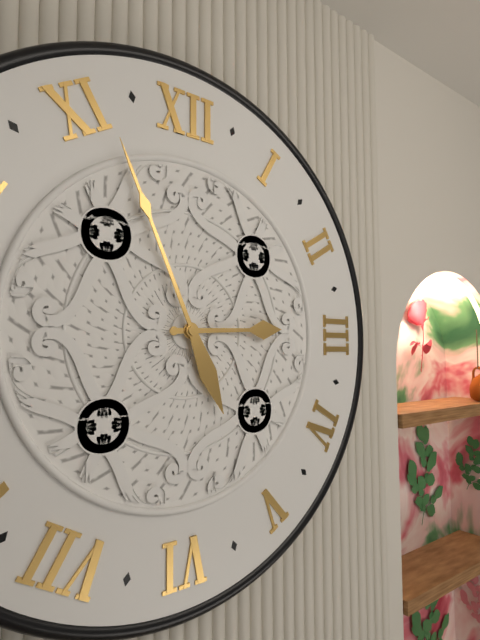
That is h=2 m=56
